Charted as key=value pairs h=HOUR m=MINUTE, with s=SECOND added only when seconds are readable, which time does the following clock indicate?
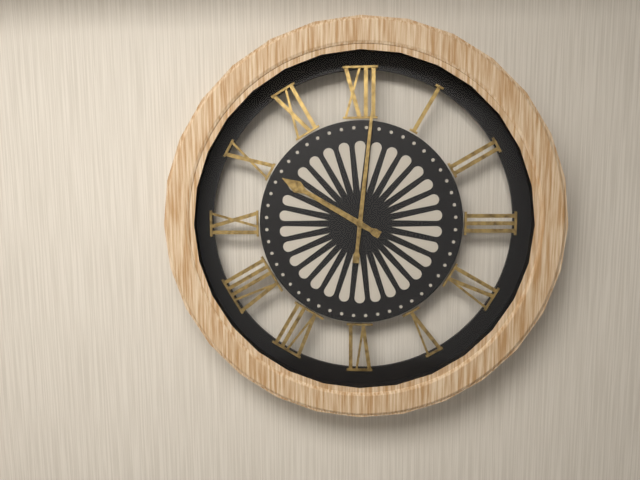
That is h=10 m=1
